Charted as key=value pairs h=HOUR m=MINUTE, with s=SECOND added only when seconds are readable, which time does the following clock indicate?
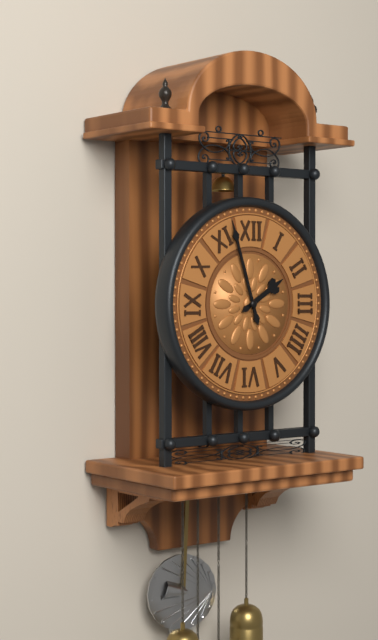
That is h=1 m=57
